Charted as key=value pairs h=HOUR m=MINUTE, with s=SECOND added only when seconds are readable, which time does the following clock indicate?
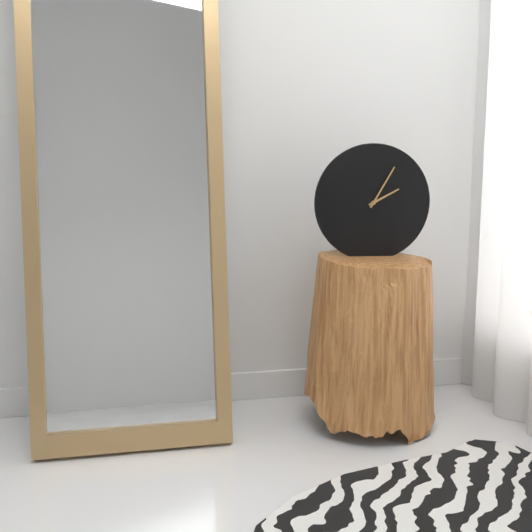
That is h=2 m=5
